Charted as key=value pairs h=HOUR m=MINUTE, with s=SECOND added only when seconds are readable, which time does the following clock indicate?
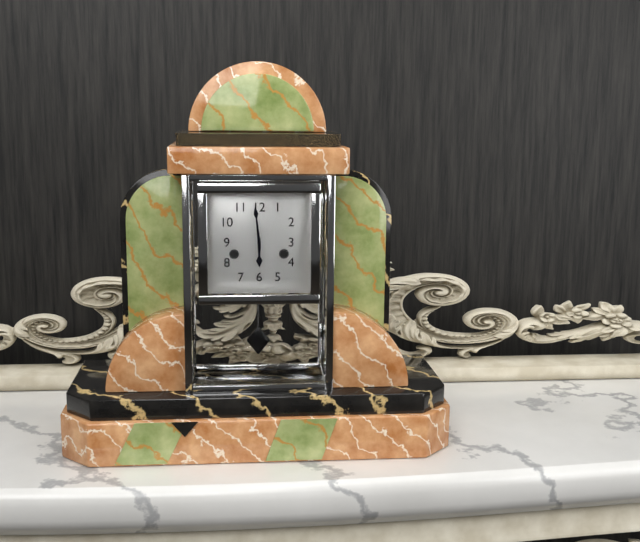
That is h=5 m=59
